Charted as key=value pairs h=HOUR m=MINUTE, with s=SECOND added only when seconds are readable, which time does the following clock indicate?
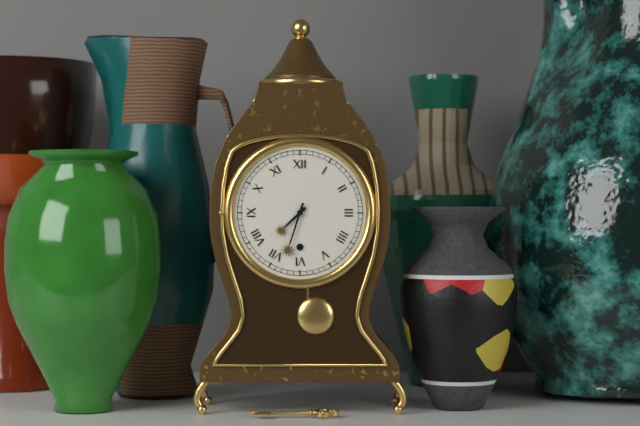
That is h=7 m=33
